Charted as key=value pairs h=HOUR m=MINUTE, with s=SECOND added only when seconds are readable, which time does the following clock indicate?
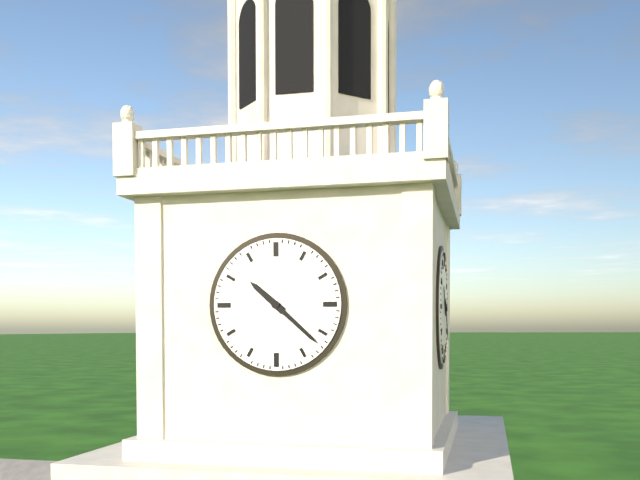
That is h=10 m=22
